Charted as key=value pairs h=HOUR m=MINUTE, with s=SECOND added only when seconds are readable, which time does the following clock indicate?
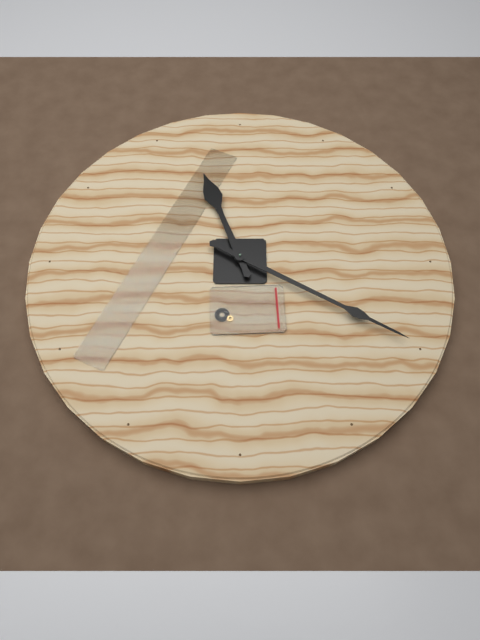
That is h=11 m=20
